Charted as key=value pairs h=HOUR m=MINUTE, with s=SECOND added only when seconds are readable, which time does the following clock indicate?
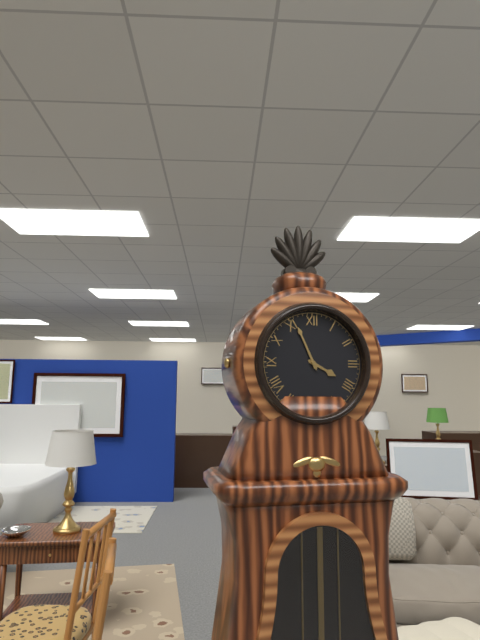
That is h=3 m=56
